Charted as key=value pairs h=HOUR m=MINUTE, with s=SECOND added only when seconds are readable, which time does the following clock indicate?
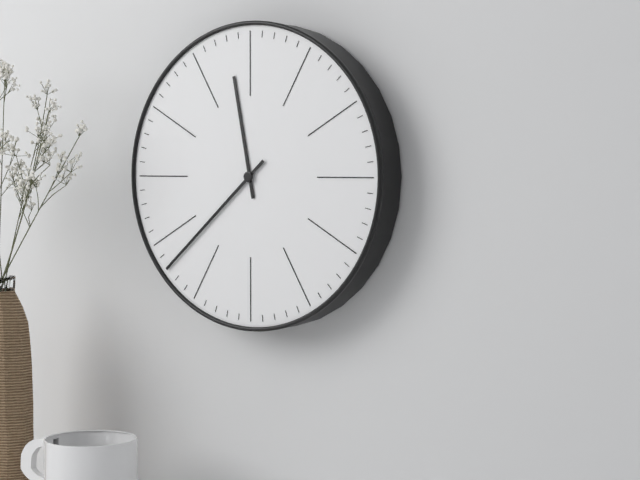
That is h=11 m=38
